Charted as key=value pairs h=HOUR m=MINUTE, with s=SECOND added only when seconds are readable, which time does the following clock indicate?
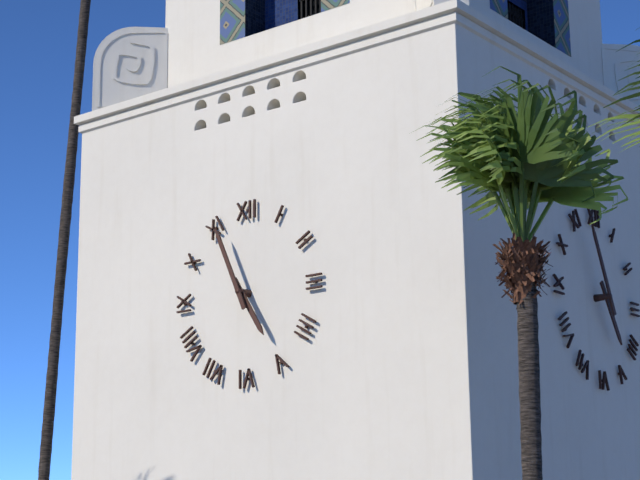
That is h=4 m=56
